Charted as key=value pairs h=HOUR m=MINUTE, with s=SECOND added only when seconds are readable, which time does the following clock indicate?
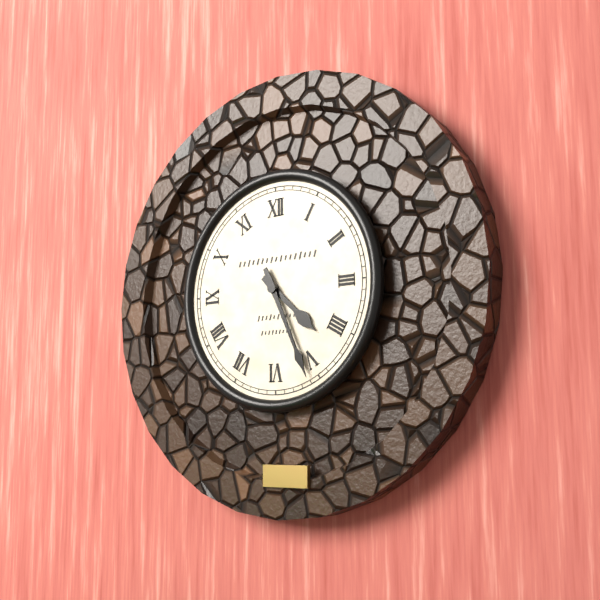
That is h=4 m=26
